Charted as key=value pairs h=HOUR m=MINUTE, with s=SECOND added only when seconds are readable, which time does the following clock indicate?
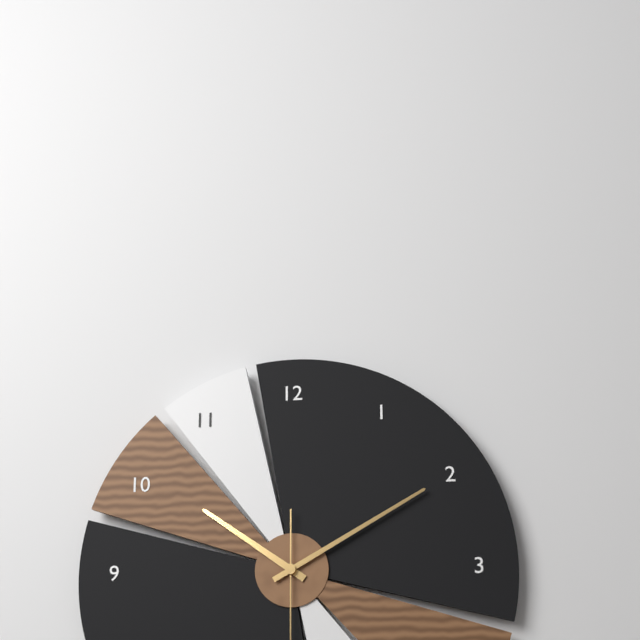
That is h=10 m=10
